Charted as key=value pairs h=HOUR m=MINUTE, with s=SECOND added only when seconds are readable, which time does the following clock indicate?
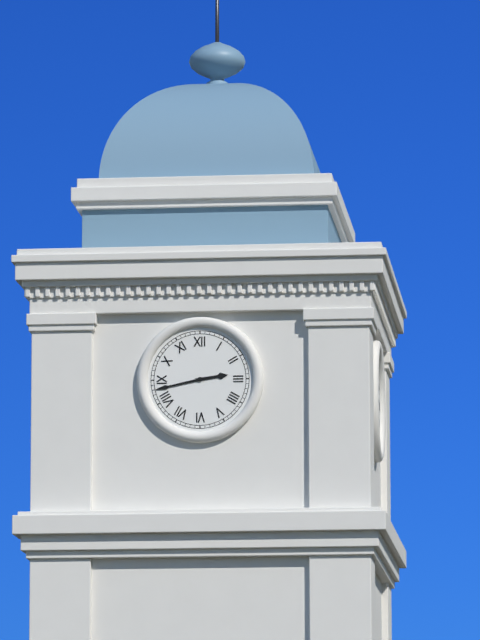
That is h=2 m=43
